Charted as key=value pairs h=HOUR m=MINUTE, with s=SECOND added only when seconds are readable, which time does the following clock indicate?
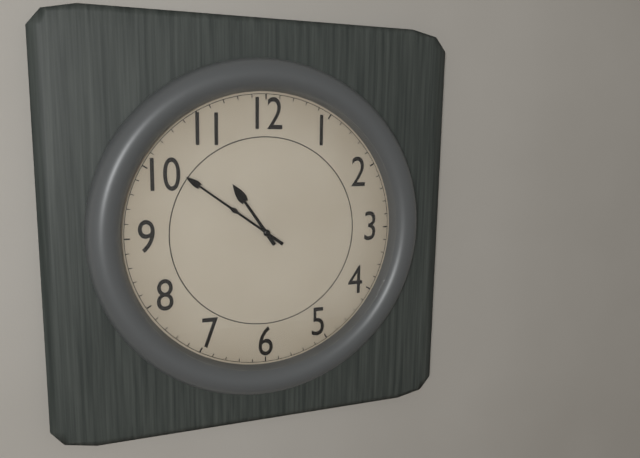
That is h=10 m=51
